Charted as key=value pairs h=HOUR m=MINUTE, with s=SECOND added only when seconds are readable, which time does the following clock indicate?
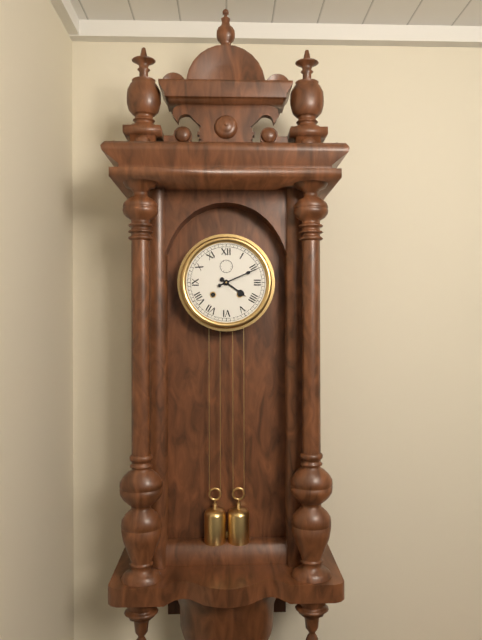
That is h=4 m=11
